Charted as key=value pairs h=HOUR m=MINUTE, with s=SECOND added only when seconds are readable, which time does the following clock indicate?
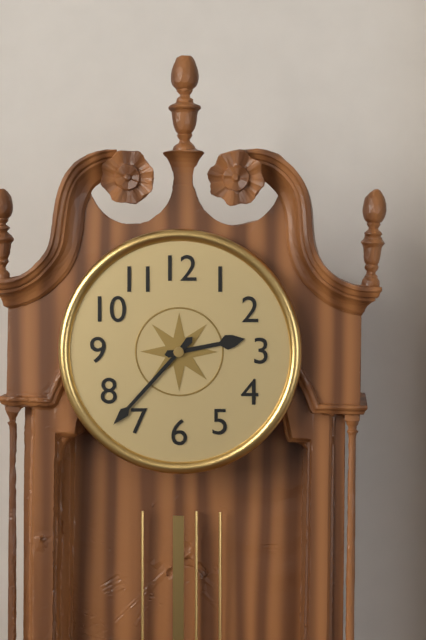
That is h=2 m=37
